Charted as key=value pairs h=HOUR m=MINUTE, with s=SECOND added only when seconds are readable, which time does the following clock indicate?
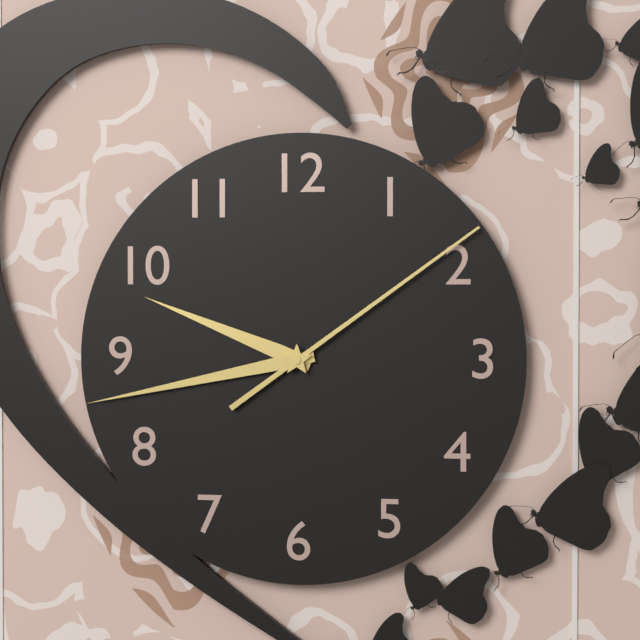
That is h=9 m=43 s=9
